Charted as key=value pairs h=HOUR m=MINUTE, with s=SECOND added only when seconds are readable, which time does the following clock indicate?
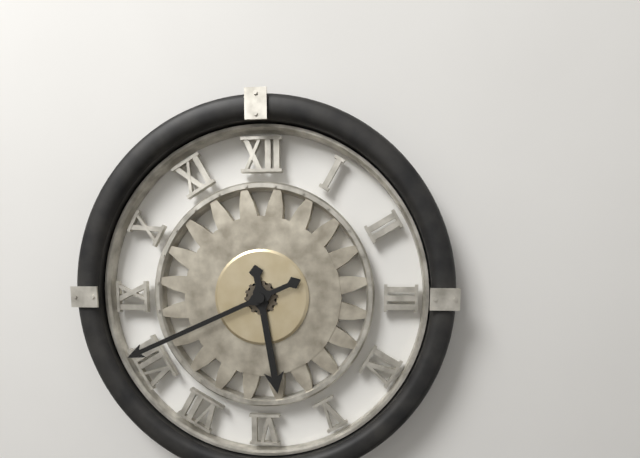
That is h=5 m=41
